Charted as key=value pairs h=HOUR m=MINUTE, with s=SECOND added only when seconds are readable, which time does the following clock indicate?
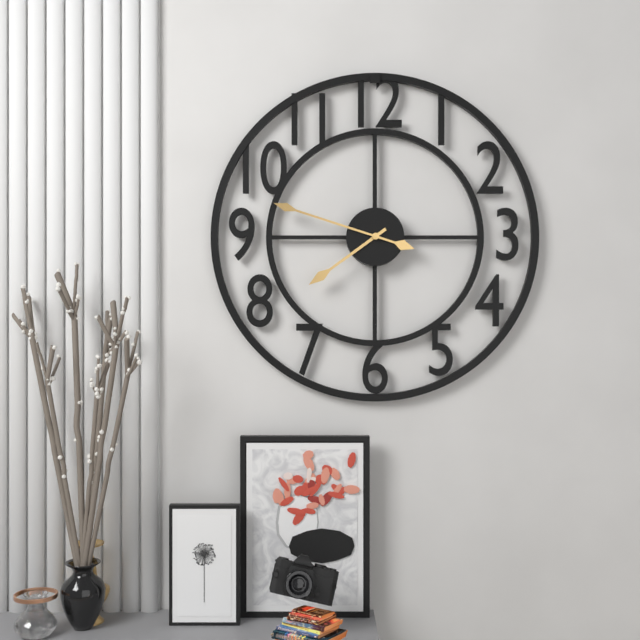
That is h=7 m=48
